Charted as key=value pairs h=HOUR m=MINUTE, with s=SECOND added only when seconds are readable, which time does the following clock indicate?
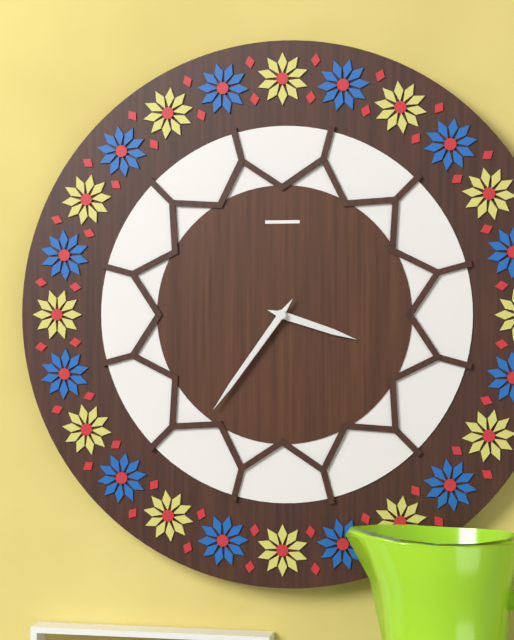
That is h=3 m=36
